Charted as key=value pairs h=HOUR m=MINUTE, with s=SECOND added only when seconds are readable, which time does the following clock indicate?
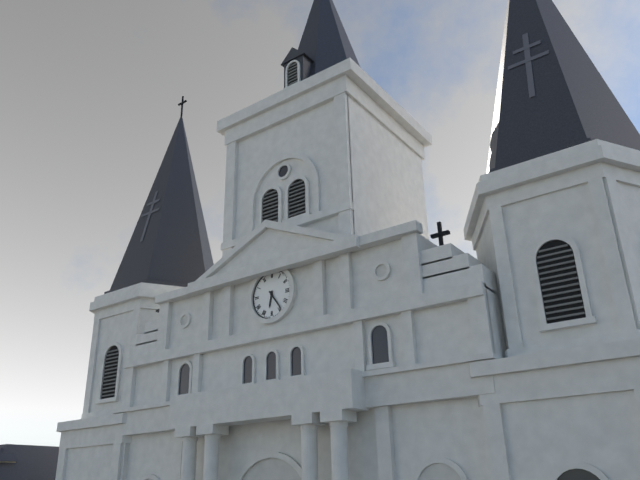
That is h=6 m=24
